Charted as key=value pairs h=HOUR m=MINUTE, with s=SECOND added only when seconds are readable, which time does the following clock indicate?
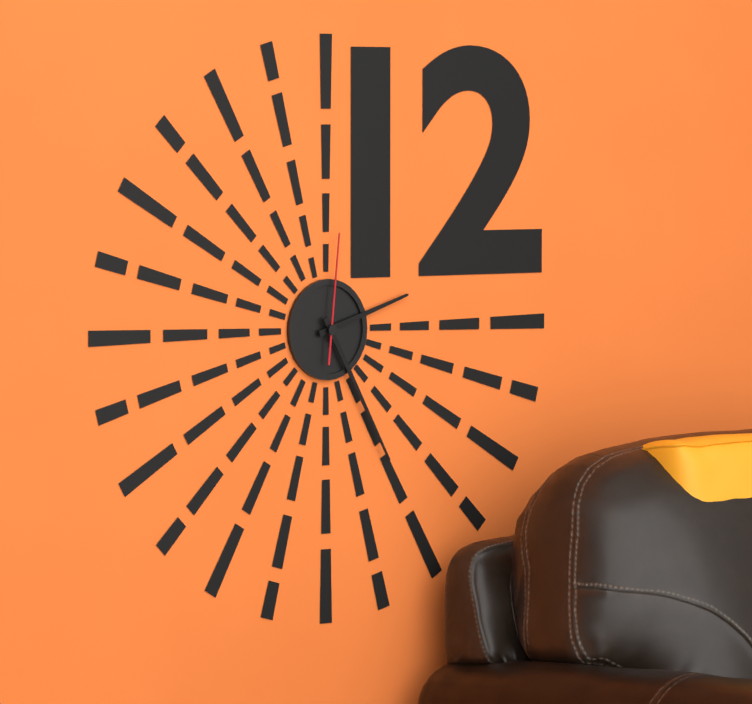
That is h=2 m=25 s=1
